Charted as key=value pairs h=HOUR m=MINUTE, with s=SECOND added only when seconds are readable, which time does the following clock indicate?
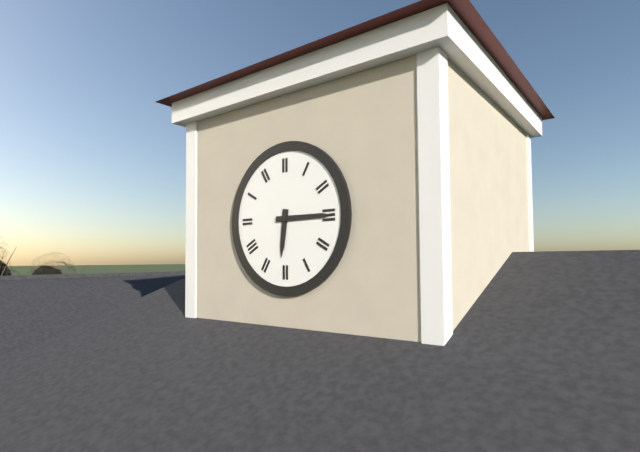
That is h=6 m=15
